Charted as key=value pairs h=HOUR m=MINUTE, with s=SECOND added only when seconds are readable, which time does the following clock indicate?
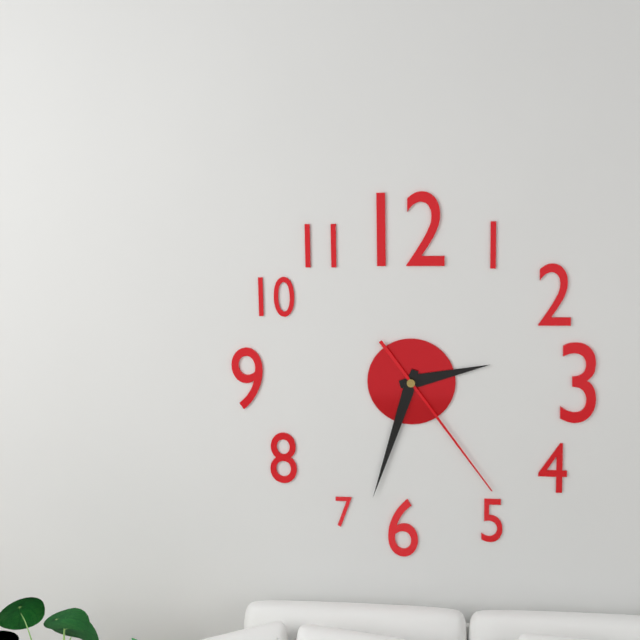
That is h=2 m=33 s=24
